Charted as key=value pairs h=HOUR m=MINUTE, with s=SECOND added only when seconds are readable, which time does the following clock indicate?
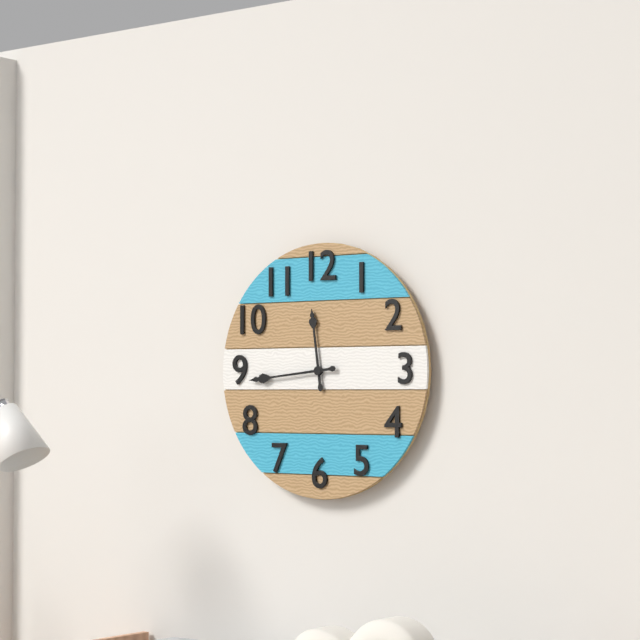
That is h=11 m=44
